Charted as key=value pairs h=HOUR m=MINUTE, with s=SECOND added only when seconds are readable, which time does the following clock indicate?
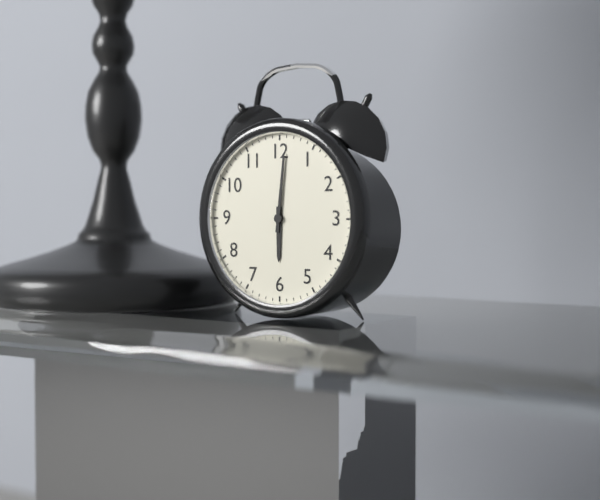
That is h=6 m=1
